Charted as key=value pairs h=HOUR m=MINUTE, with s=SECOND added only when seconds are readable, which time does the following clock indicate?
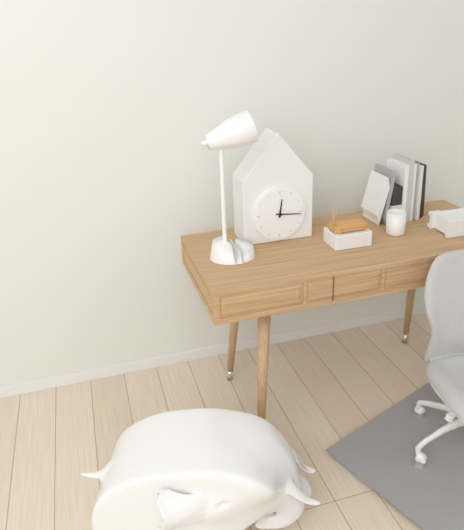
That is h=12 m=16
